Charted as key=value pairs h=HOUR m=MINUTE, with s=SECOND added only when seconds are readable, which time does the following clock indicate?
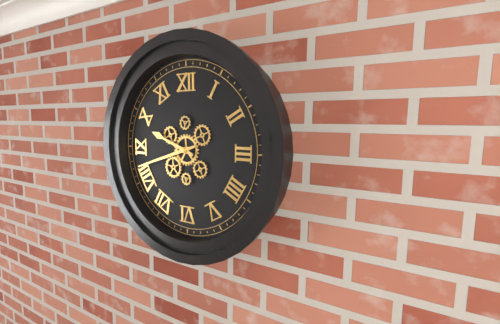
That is h=9 m=42
